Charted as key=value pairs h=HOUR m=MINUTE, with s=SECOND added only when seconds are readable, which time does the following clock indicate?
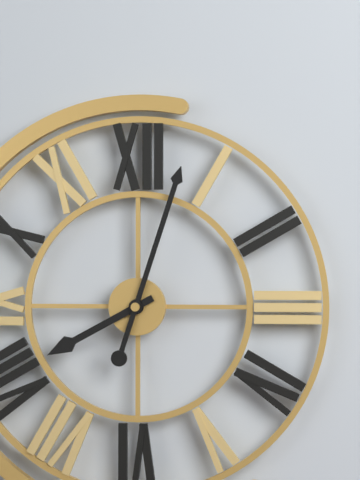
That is h=8 m=3
